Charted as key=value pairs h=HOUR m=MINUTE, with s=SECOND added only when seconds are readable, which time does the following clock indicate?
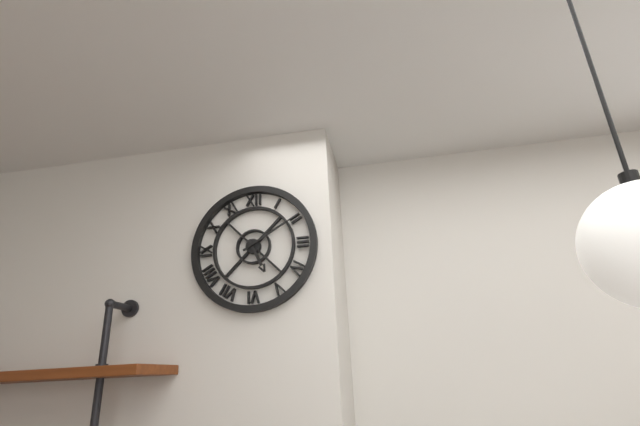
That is h=5 m=10
